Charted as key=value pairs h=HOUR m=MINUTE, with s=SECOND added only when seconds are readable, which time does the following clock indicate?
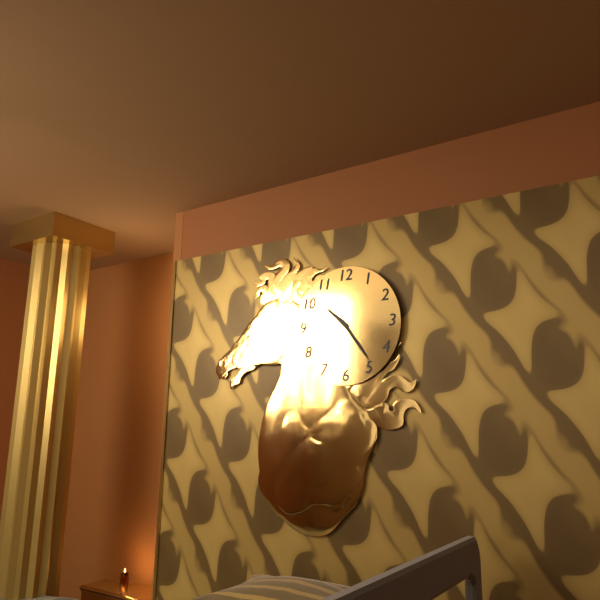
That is h=10 m=24 s=24
